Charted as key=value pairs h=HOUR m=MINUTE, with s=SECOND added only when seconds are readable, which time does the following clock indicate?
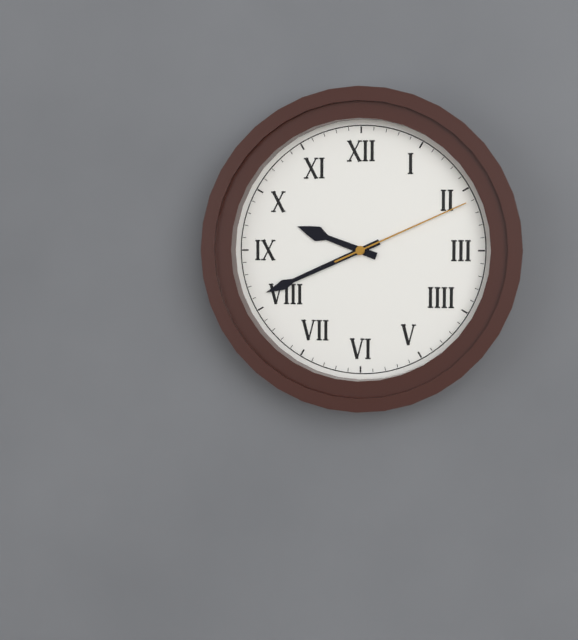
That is h=9 m=41 s=11
